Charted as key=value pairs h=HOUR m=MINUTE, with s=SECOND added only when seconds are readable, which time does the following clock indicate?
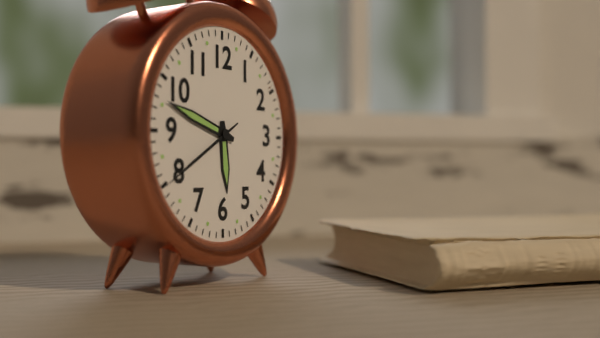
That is h=5 m=48 s=40
